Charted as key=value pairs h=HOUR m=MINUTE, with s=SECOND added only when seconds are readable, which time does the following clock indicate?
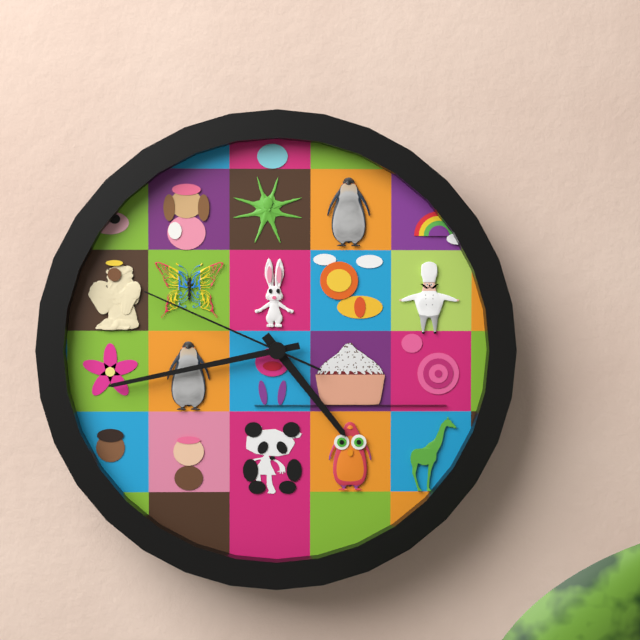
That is h=4 m=43 s=49
